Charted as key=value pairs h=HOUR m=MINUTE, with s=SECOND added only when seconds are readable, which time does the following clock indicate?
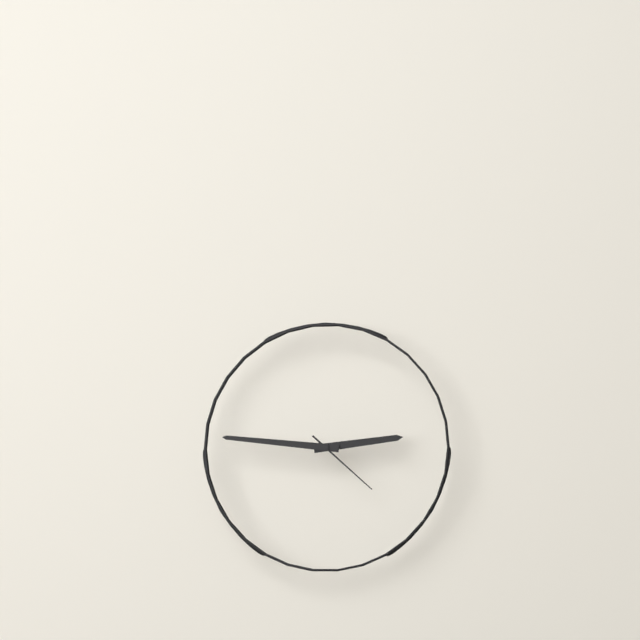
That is h=2 m=46 s=22
